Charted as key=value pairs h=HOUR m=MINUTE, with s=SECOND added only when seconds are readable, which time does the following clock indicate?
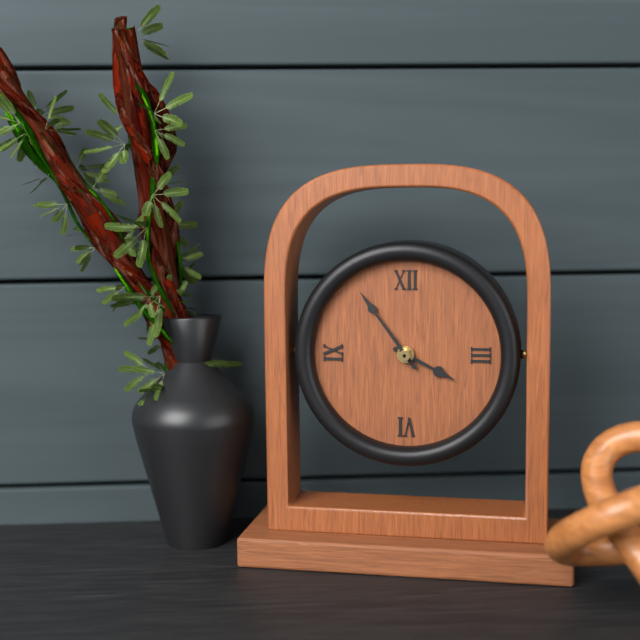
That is h=3 m=54
